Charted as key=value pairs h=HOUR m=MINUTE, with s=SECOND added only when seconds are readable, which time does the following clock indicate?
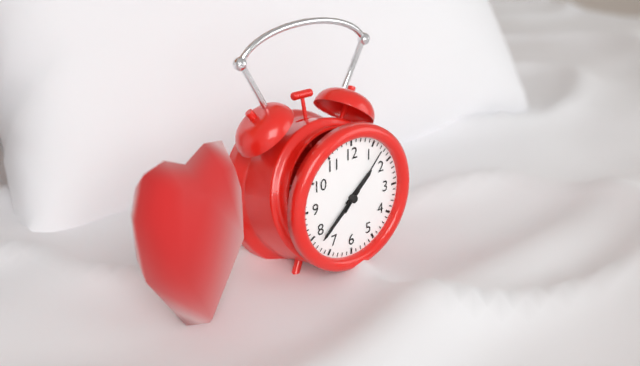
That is h=1 m=38 s=7
